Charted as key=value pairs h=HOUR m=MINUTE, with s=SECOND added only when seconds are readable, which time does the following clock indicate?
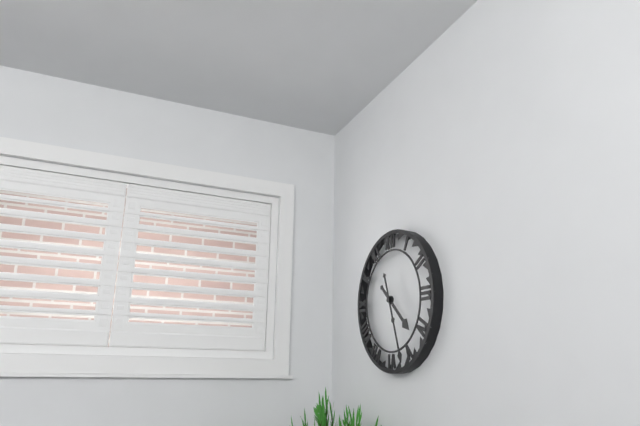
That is h=4 m=27
